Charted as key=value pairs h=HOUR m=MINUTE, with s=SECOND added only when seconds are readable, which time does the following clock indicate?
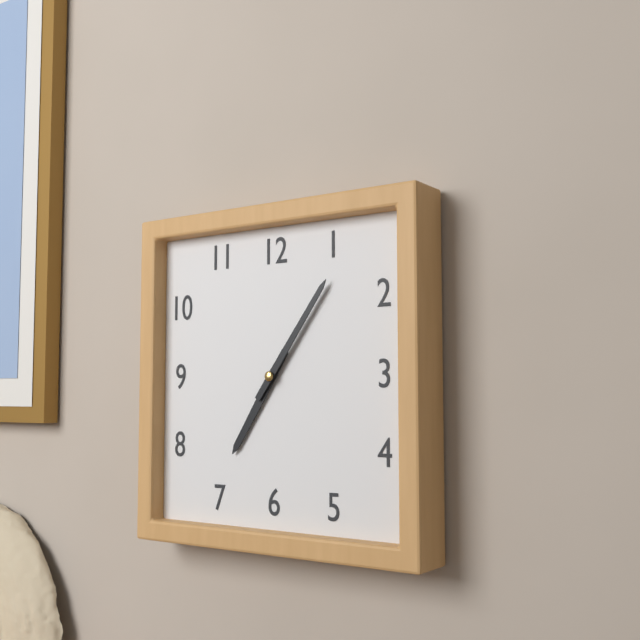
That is h=7 m=6
